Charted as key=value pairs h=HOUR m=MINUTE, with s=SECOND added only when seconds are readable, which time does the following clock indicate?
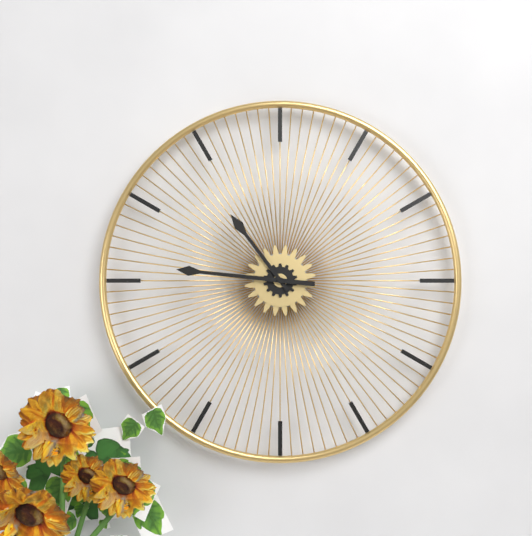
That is h=10 m=46
